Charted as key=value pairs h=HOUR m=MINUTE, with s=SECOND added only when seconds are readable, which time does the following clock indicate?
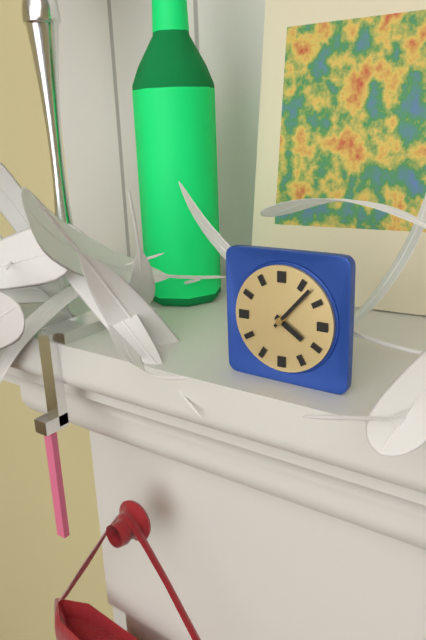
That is h=4 m=7
